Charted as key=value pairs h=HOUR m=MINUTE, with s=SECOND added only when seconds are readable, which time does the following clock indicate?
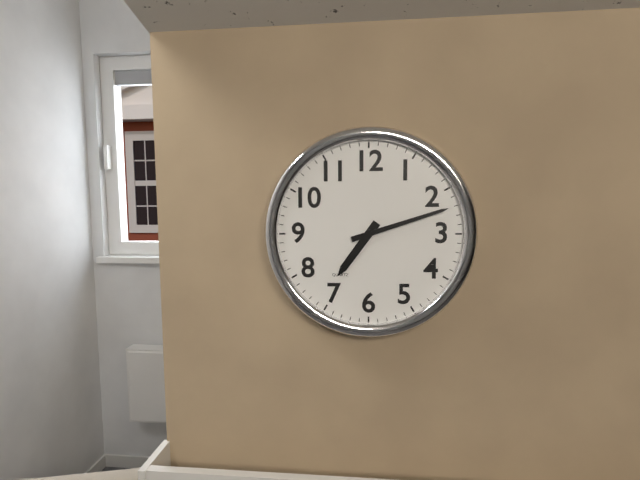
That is h=7 m=12
